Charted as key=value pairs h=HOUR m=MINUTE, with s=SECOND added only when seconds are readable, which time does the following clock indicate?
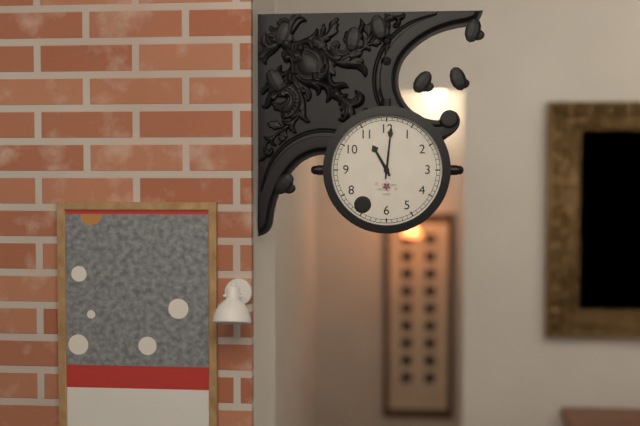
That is h=11 m=1
